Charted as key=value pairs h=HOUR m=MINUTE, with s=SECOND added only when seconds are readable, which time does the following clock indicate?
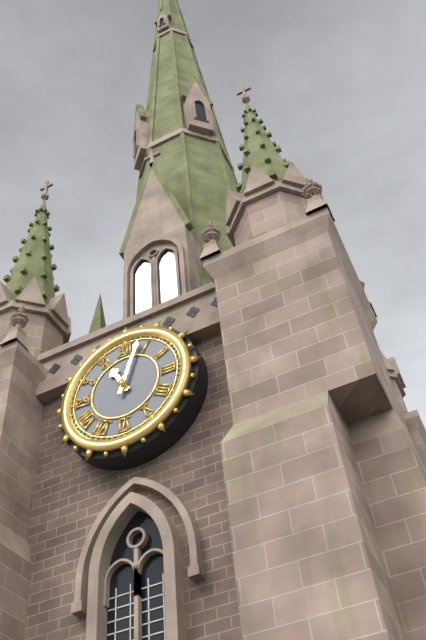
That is h=11 m=3
